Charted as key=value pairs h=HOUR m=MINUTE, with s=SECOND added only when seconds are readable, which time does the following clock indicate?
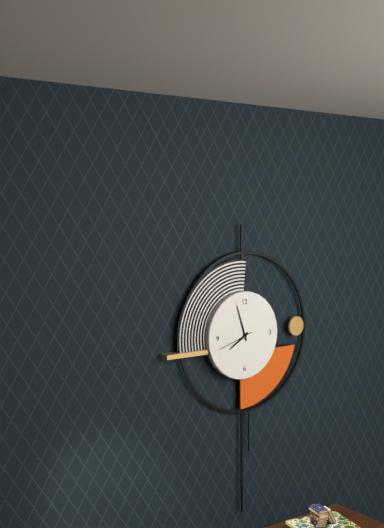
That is h=7 m=57
